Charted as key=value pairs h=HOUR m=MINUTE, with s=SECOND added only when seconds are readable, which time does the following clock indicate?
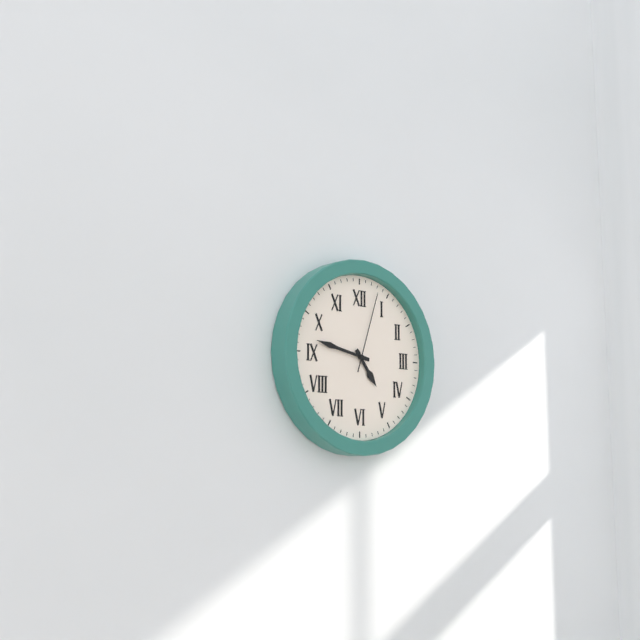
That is h=4 m=47 s=3
